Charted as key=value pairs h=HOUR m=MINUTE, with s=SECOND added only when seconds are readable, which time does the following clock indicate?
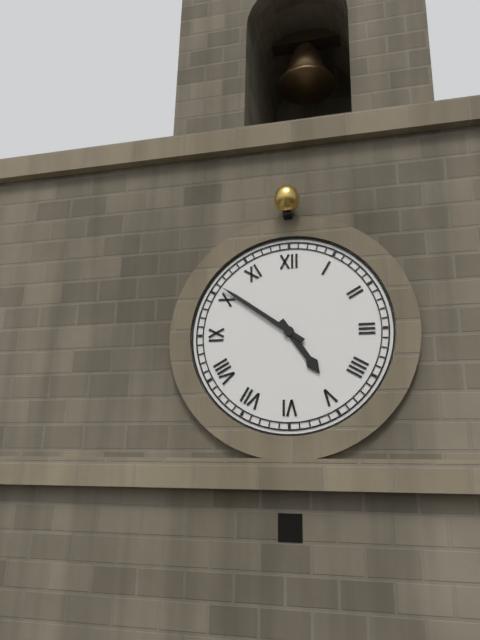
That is h=4 m=51
